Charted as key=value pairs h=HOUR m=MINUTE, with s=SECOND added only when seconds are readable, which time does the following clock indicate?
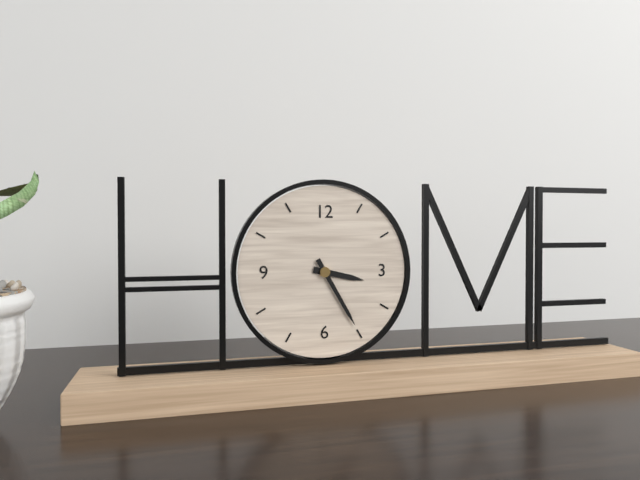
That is h=3 m=25
